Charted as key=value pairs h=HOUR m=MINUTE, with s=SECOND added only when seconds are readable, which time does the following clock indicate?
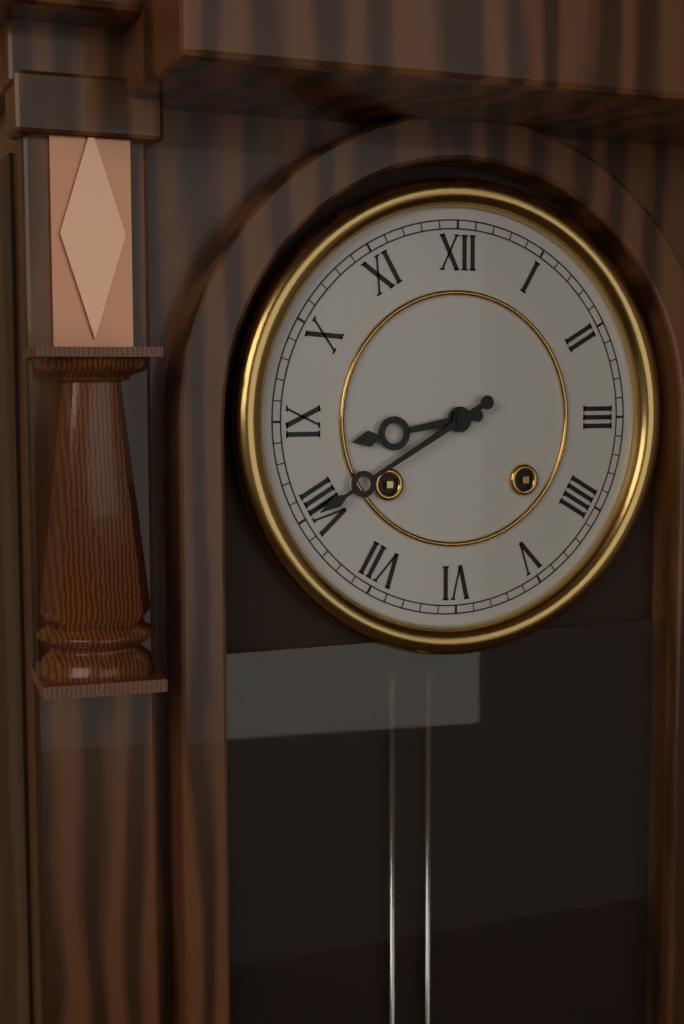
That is h=8 m=40
